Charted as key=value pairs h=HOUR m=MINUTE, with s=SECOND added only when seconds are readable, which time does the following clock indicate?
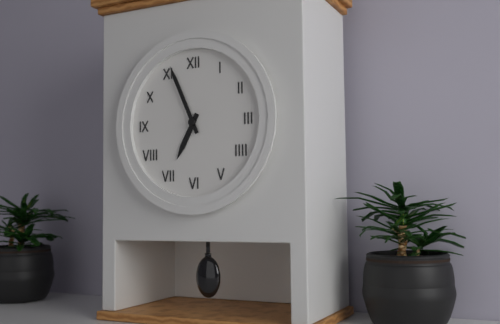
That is h=6 m=56
